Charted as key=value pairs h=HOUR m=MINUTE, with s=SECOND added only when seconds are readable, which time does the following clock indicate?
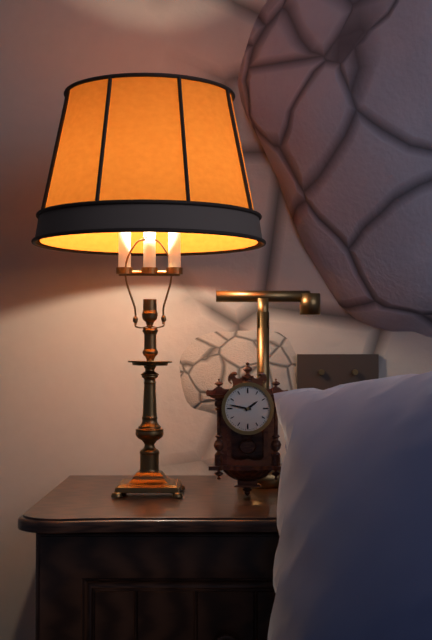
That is h=1 m=47
